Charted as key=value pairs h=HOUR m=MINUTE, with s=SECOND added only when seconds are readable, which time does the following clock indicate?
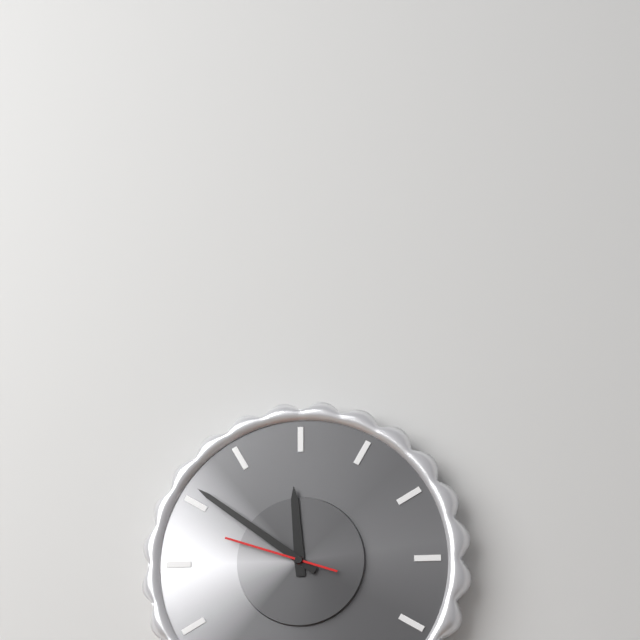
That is h=11 m=51 s=48
